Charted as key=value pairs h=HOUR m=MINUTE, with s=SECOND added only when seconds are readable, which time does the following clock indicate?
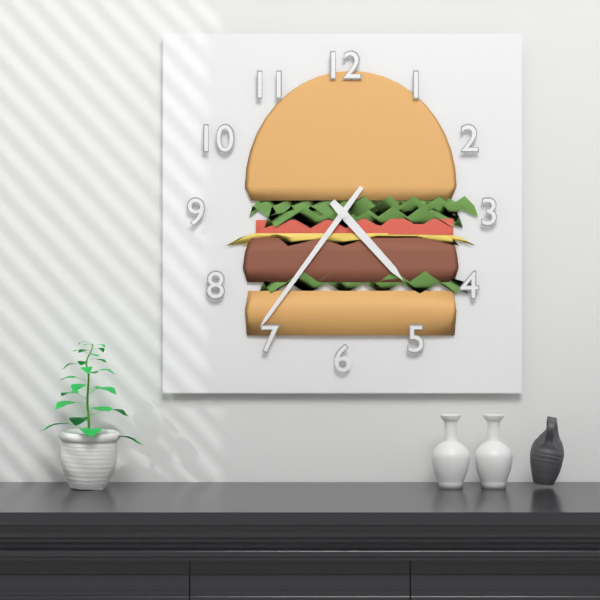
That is h=4 m=36
